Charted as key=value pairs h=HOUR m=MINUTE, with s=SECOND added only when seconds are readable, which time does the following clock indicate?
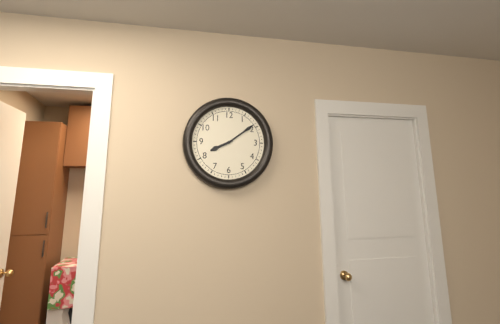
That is h=8 m=9
